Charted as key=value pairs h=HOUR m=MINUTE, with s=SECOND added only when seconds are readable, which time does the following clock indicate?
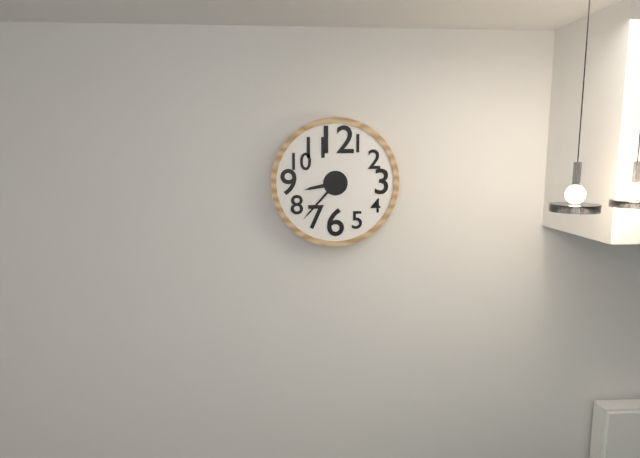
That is h=8 m=37
